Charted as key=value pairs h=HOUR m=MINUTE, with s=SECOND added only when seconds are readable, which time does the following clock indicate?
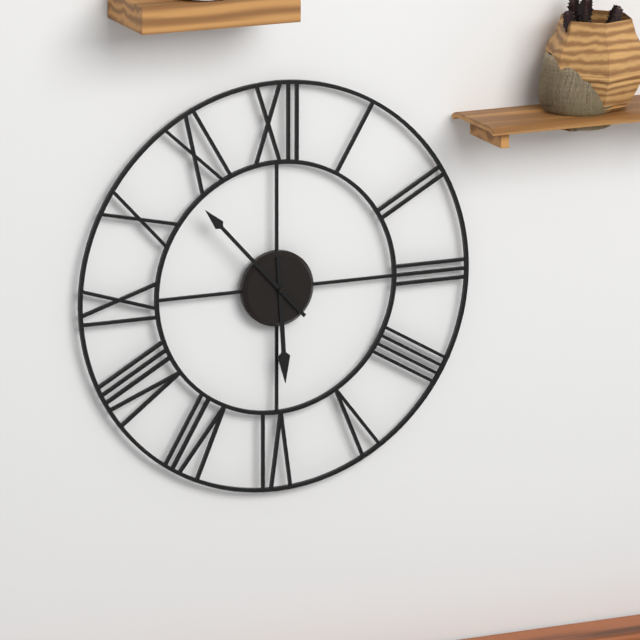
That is h=5 m=53
